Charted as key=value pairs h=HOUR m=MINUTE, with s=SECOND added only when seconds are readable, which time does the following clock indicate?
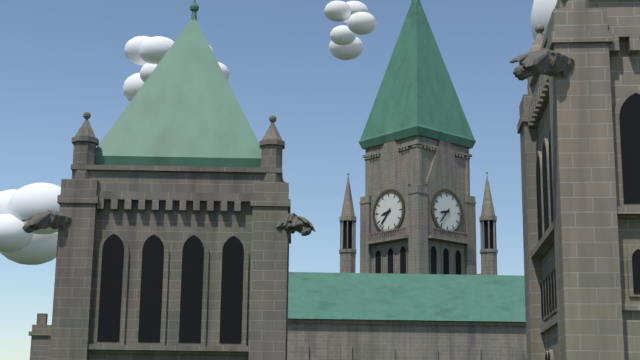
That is h=8 m=37
